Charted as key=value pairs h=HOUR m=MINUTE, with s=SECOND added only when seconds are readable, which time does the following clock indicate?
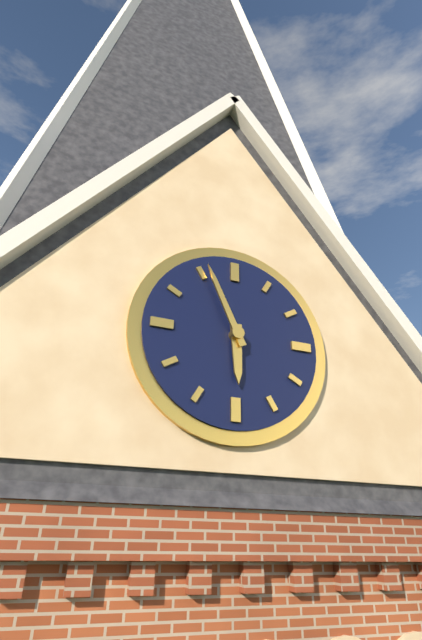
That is h=5 m=56
